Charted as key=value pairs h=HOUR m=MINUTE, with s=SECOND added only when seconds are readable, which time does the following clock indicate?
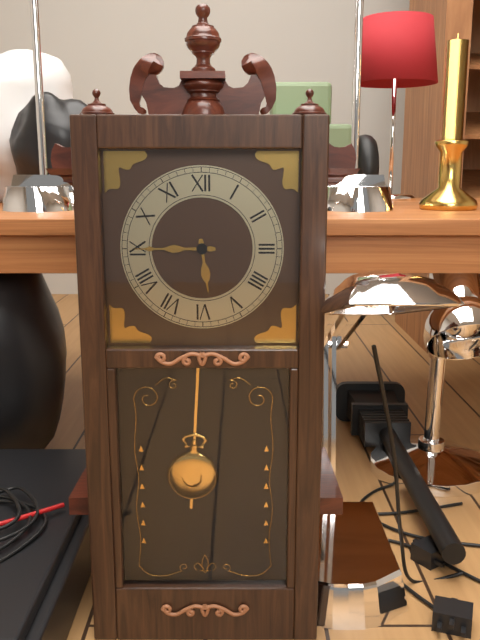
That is h=5 m=45
